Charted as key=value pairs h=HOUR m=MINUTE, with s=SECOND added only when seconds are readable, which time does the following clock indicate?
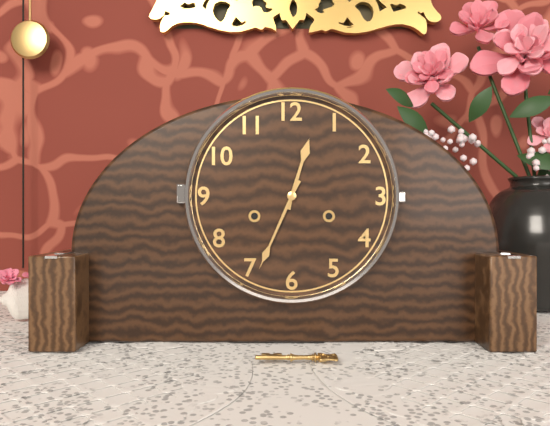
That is h=12 m=34
